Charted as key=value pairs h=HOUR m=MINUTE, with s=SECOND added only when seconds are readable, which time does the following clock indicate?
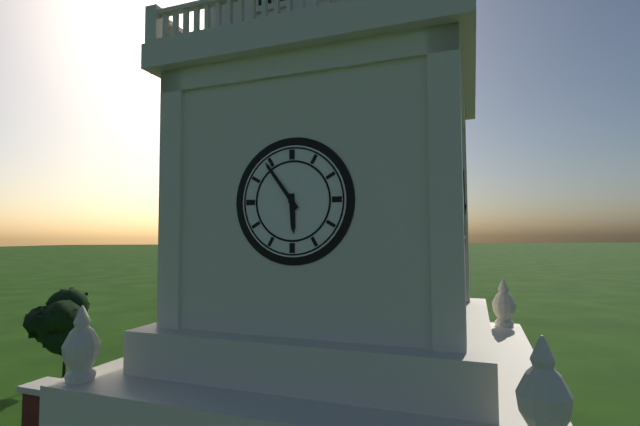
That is h=5 m=54
